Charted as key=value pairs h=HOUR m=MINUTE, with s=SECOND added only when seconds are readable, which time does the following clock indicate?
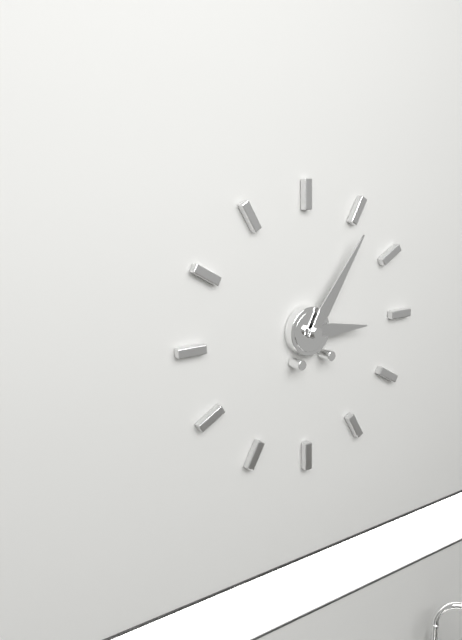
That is h=3 m=6
